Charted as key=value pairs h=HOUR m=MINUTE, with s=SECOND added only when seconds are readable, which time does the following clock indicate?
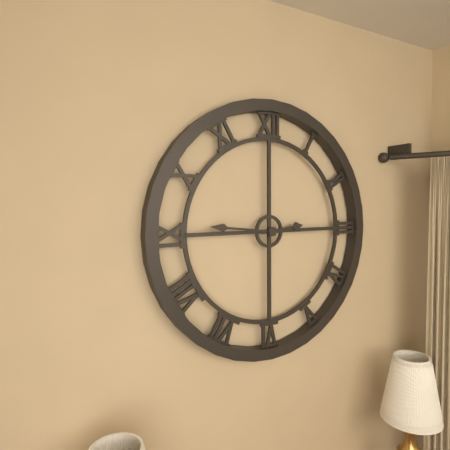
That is h=2 m=46
